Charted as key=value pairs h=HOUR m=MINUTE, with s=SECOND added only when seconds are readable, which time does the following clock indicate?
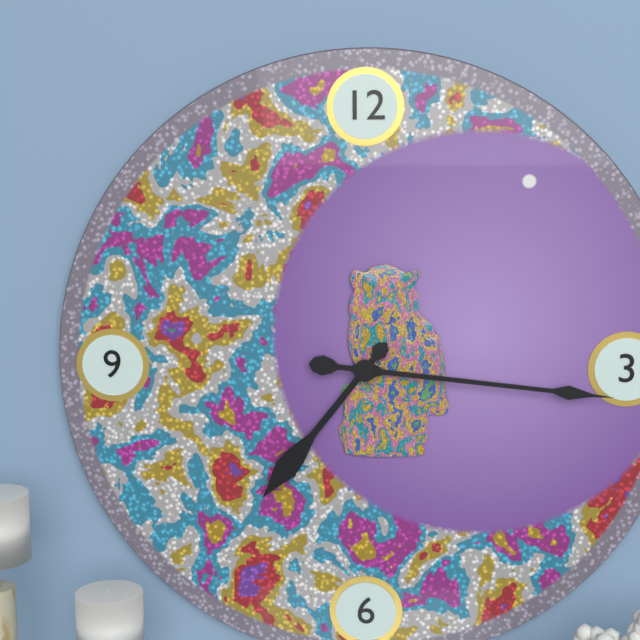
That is h=7 m=16
